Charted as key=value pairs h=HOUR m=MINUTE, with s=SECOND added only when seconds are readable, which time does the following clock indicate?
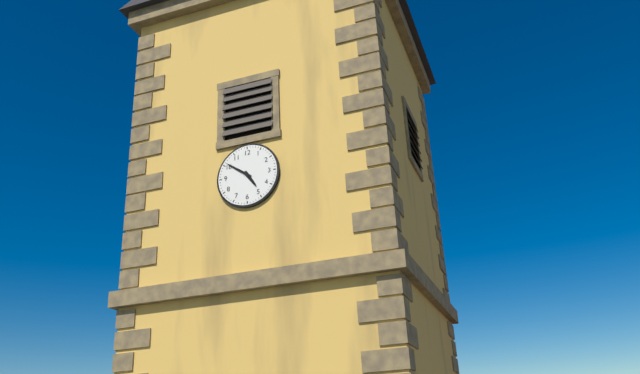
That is h=4 m=51
